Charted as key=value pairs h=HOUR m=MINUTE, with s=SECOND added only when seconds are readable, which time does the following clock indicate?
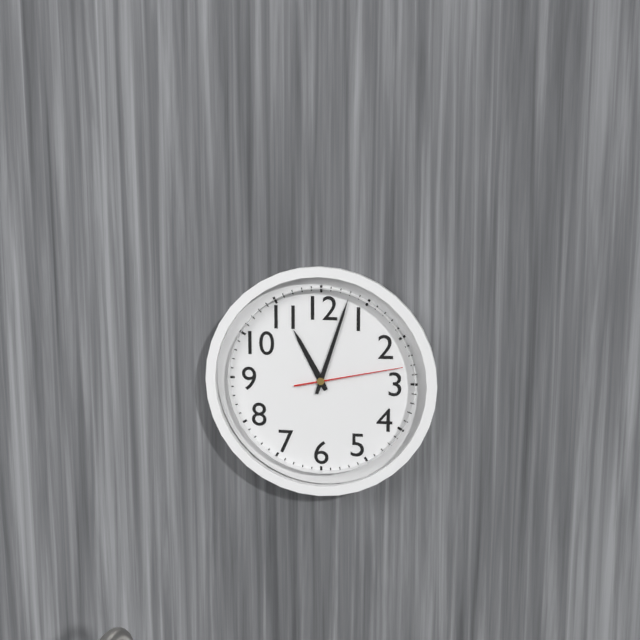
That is h=11 m=3 s=13
